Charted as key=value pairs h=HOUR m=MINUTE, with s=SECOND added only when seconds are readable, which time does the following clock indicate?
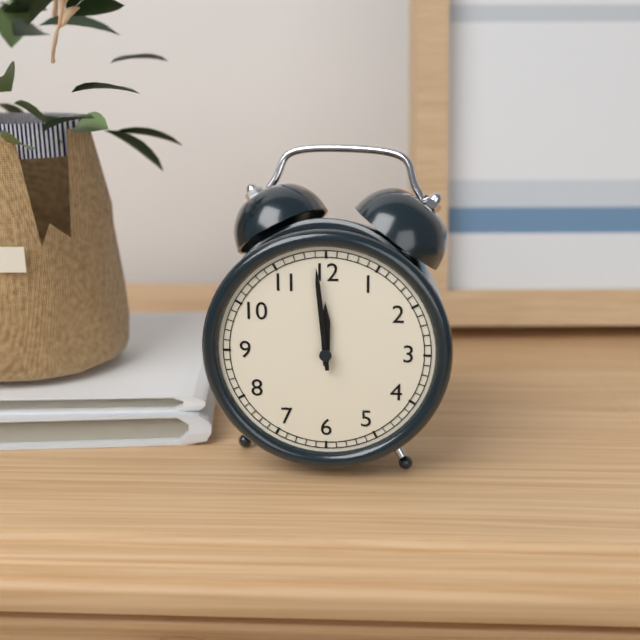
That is h=11 m=59
